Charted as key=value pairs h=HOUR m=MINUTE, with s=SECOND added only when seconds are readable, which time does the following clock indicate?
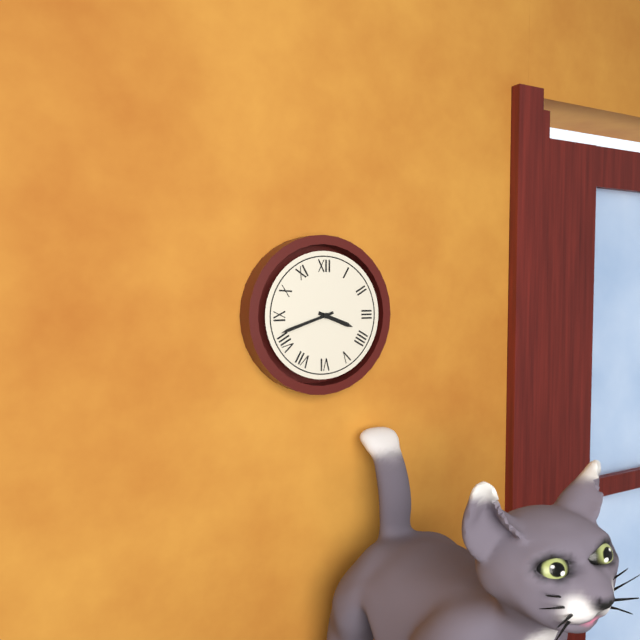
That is h=3 m=42
